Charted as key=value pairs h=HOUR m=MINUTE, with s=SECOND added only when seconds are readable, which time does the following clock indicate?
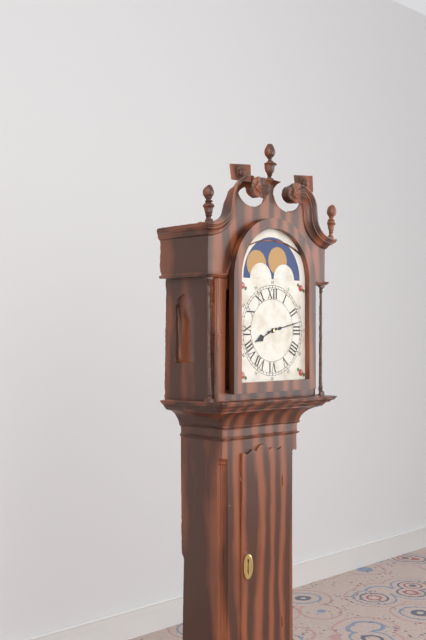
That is h=8 m=13
